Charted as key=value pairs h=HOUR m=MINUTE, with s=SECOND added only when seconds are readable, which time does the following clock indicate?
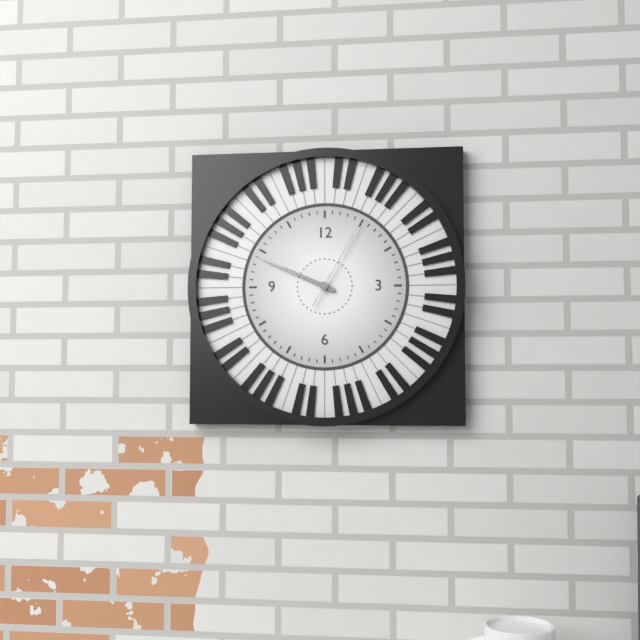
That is h=9 m=49 s=5
